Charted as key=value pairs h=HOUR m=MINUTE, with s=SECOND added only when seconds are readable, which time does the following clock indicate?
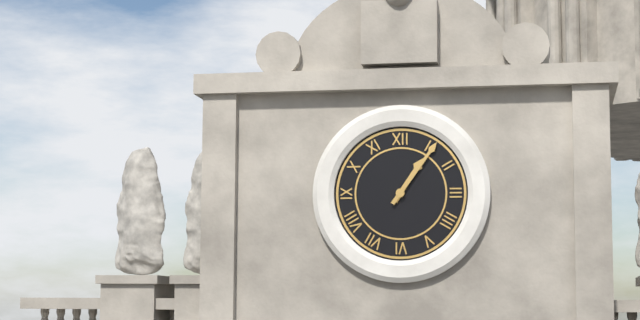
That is h=1 m=6
